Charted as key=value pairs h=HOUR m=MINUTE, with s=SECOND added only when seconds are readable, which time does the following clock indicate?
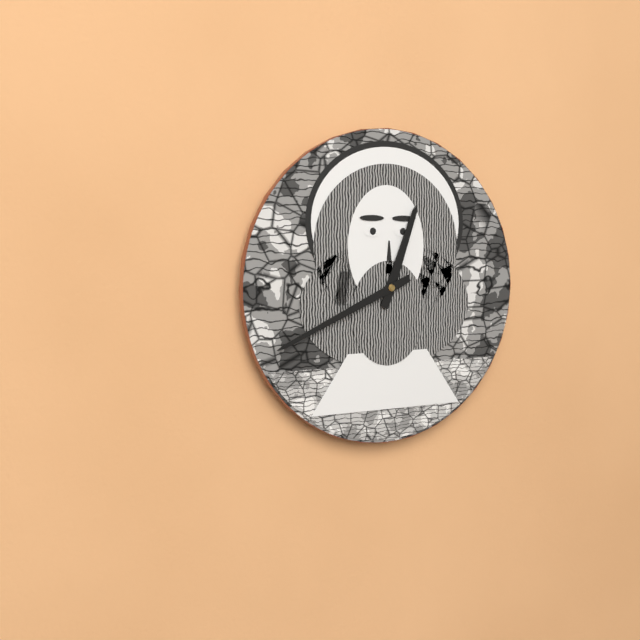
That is h=12 m=41
